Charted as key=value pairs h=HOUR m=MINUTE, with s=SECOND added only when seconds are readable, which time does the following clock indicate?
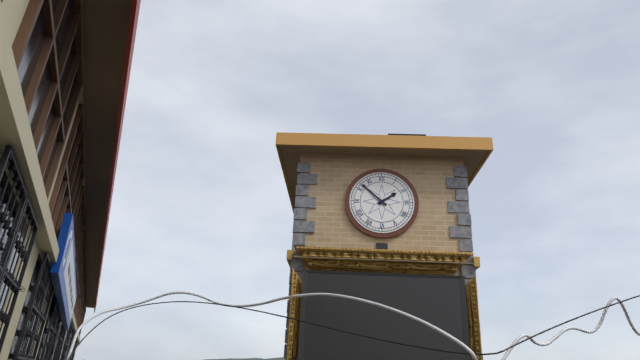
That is h=1 m=52
